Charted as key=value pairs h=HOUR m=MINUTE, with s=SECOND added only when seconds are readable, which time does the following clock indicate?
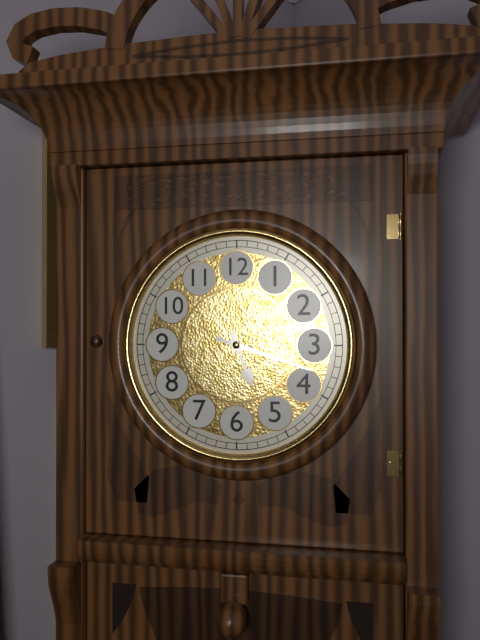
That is h=5 m=18
